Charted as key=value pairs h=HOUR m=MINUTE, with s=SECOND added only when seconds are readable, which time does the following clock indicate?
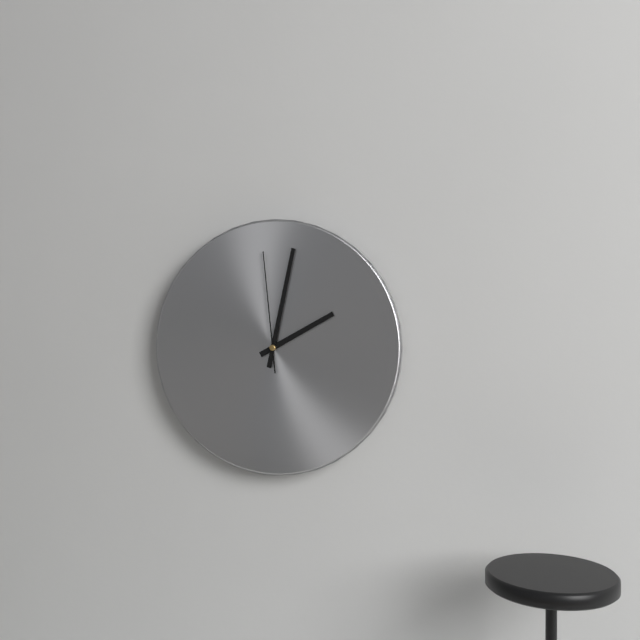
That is h=2 m=2 s=59
